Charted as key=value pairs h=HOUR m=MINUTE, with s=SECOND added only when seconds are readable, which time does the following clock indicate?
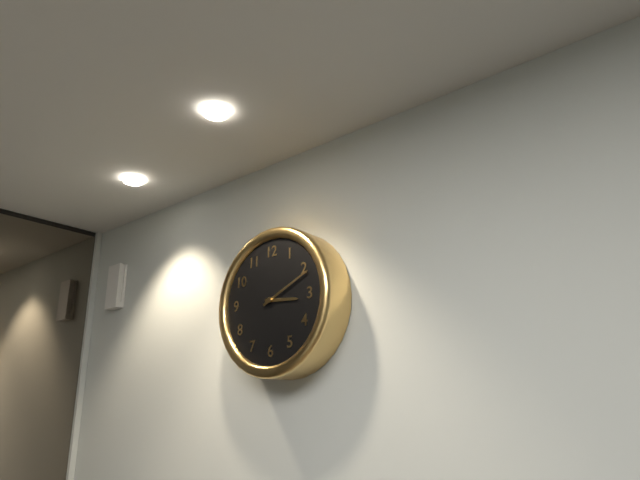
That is h=3 m=11
